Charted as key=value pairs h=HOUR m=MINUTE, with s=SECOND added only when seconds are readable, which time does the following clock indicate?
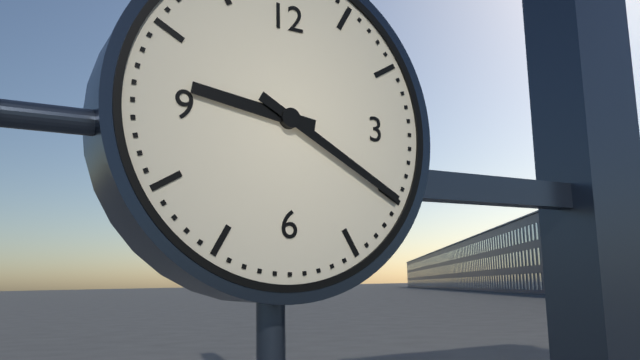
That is h=9 m=20
